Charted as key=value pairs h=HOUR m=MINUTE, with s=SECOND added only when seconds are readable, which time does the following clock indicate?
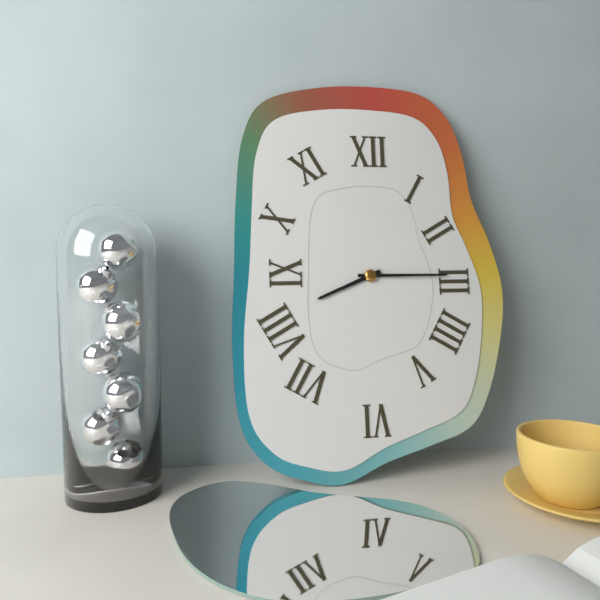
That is h=8 m=15
